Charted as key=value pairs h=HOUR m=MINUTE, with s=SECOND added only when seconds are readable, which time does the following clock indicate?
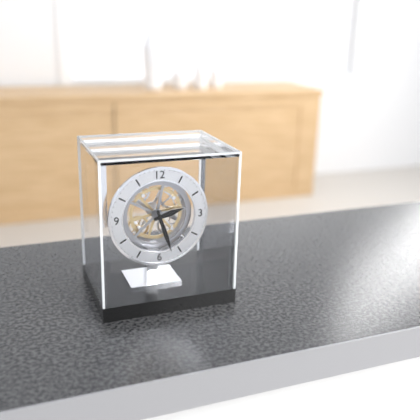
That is h=2 m=27
